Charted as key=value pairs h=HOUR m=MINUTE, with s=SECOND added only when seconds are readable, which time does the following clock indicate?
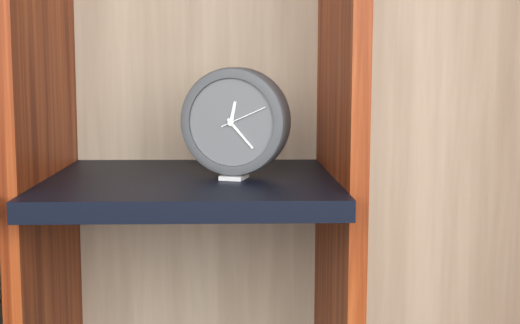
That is h=12 m=23
